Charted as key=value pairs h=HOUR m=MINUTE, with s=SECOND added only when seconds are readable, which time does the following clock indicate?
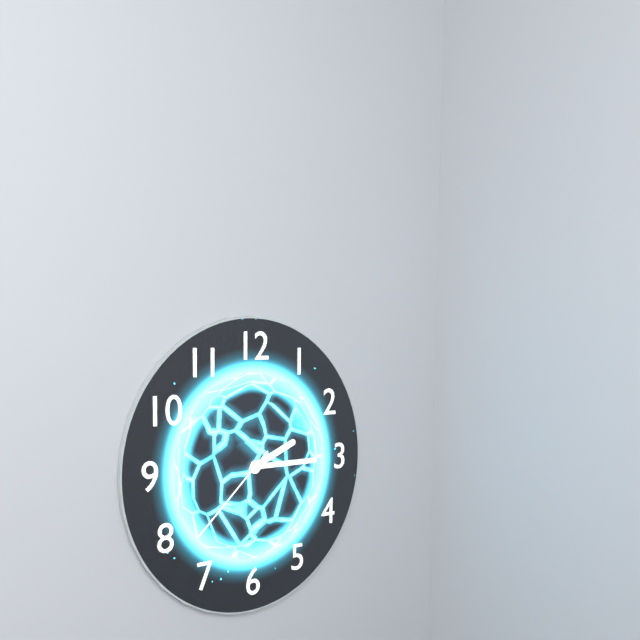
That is h=2 m=15 s=38
